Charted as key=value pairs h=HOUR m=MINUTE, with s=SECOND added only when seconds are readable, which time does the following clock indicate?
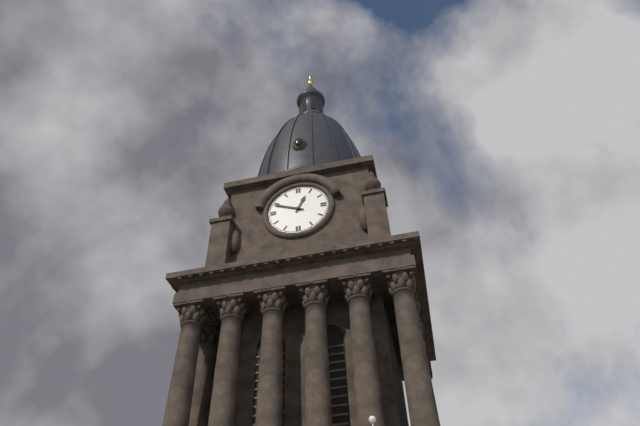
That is h=12 m=49
